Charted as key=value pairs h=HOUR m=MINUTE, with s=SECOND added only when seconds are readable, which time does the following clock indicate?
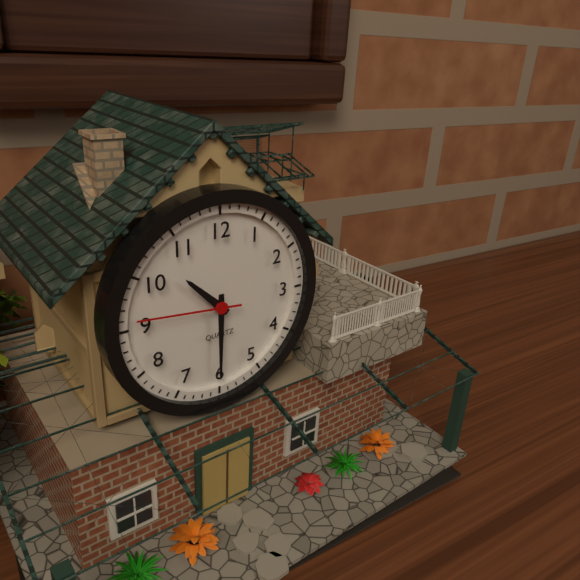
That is h=10 m=30 s=46
